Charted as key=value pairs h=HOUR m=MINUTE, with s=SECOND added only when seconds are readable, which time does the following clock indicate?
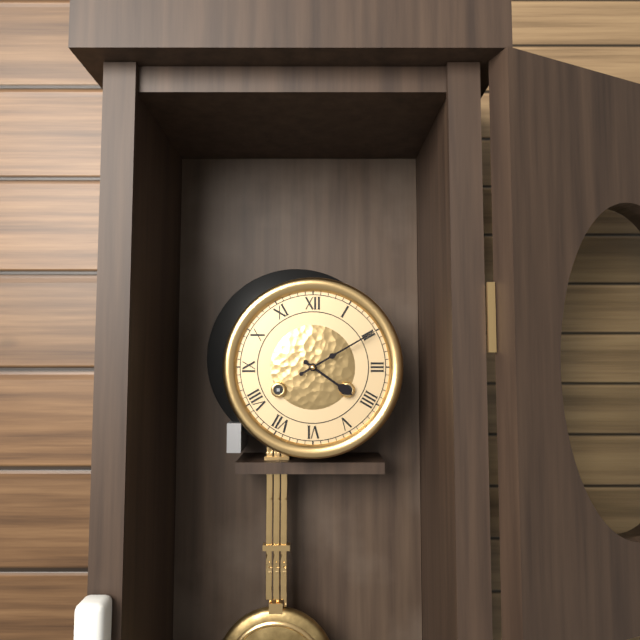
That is h=4 m=10
